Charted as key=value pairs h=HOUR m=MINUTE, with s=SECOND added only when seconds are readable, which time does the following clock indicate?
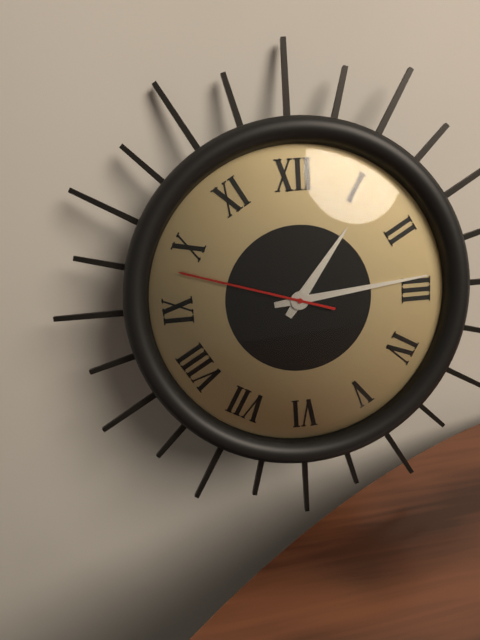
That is h=1 m=14 s=48
